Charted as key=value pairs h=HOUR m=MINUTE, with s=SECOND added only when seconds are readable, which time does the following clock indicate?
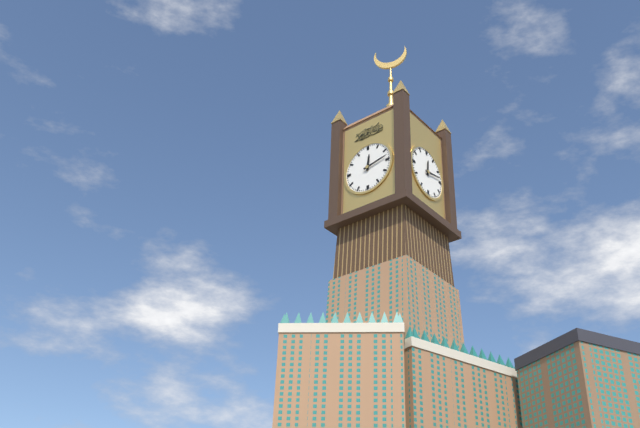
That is h=12 m=13
